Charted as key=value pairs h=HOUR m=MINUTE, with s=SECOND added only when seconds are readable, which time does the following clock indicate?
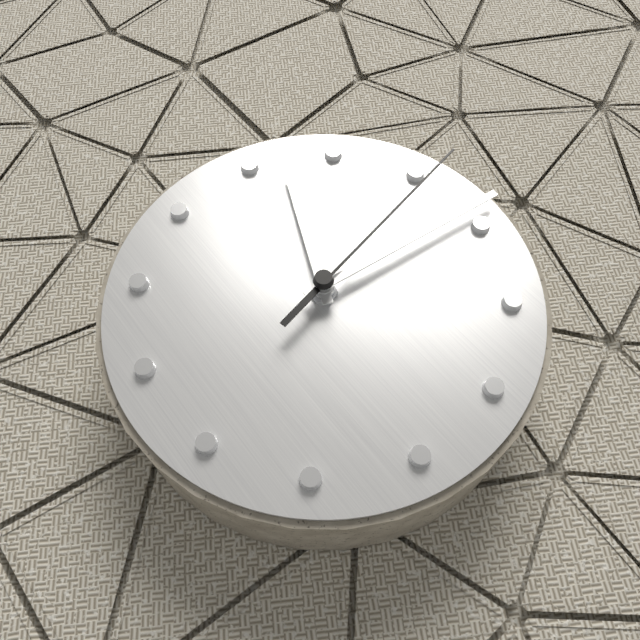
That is h=2 m=24 s=21
